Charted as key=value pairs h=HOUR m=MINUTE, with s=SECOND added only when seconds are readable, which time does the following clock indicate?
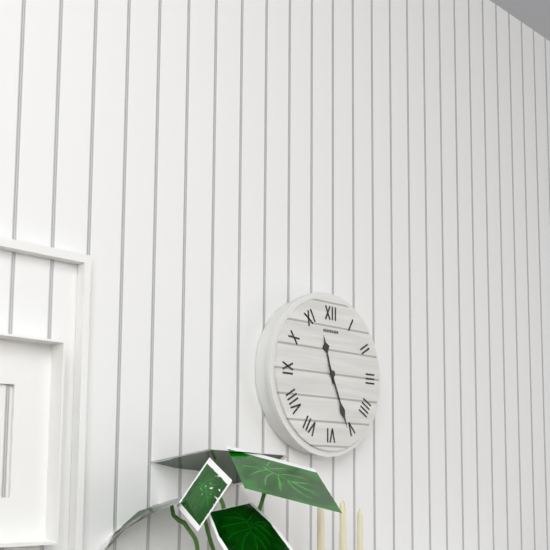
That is h=11 m=26
